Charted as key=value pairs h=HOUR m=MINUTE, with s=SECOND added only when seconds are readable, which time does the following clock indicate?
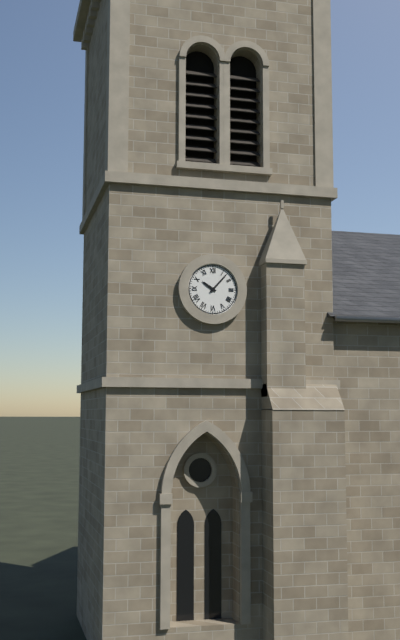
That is h=10 m=7
